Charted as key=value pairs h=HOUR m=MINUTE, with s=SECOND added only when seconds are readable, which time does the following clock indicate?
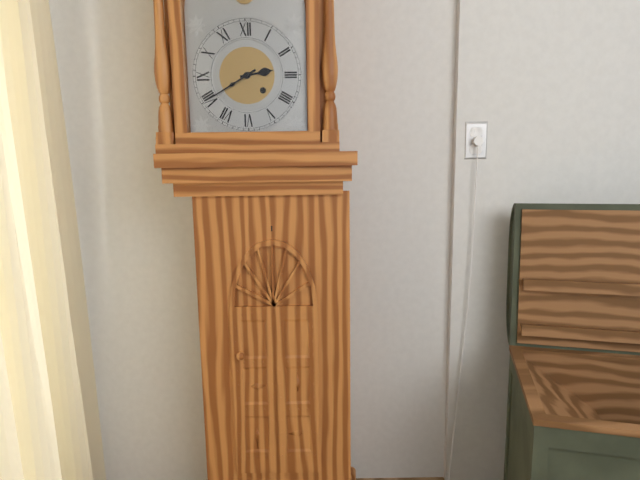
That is h=2 m=40
